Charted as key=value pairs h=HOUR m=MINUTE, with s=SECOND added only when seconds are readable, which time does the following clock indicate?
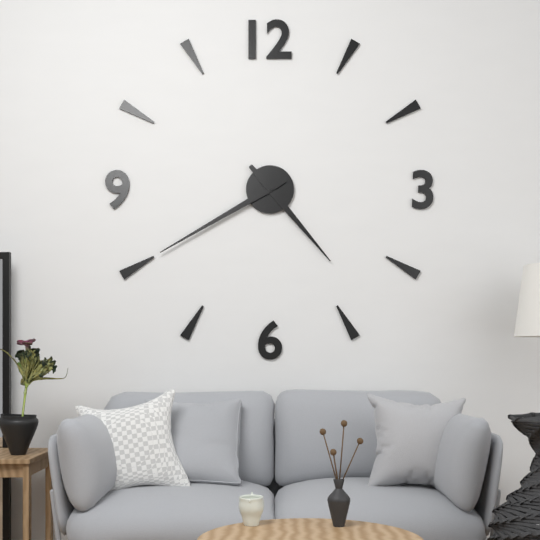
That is h=4 m=40
